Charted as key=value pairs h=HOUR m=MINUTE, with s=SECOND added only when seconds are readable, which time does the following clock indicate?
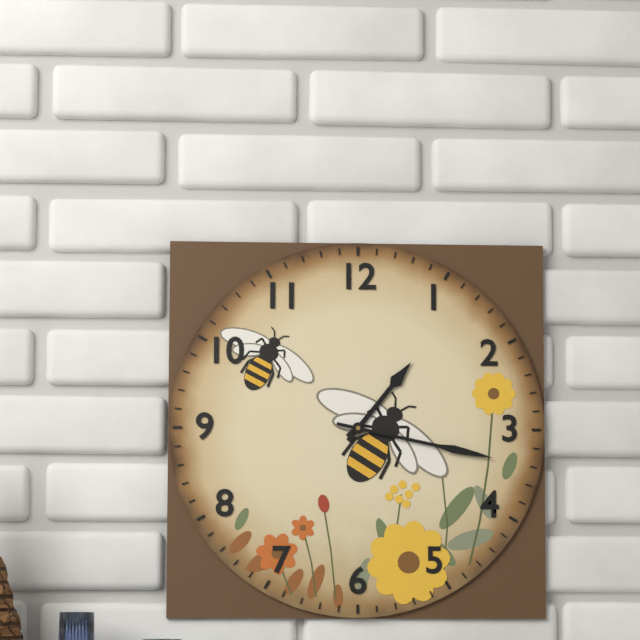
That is h=1 m=17
